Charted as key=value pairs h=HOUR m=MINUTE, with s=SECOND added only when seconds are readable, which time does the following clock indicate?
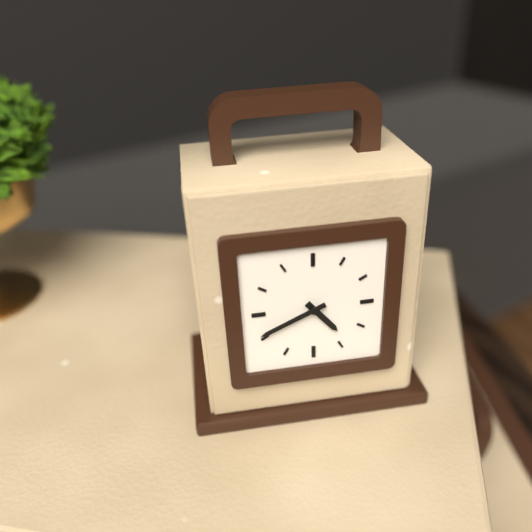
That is h=4 m=41
